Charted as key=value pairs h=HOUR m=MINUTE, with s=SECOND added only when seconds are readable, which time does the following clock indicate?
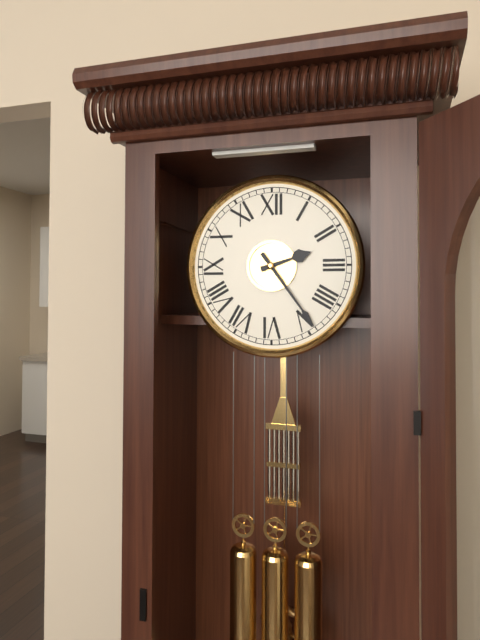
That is h=2 m=24
